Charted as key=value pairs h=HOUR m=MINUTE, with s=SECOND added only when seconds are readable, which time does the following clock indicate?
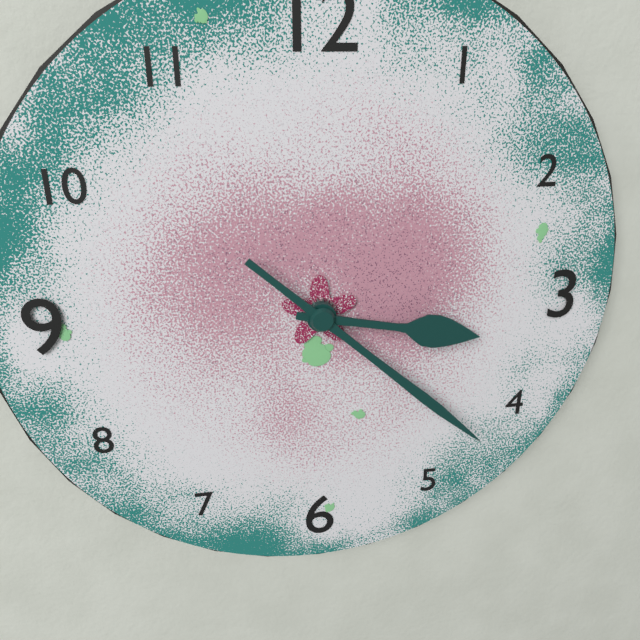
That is h=3 m=22
